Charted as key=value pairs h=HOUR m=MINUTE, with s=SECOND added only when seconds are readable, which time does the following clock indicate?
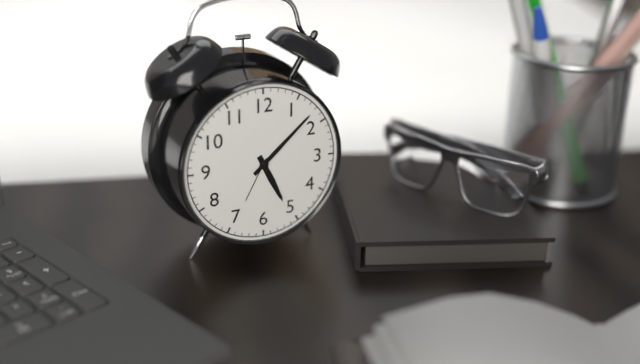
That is h=5 m=8
